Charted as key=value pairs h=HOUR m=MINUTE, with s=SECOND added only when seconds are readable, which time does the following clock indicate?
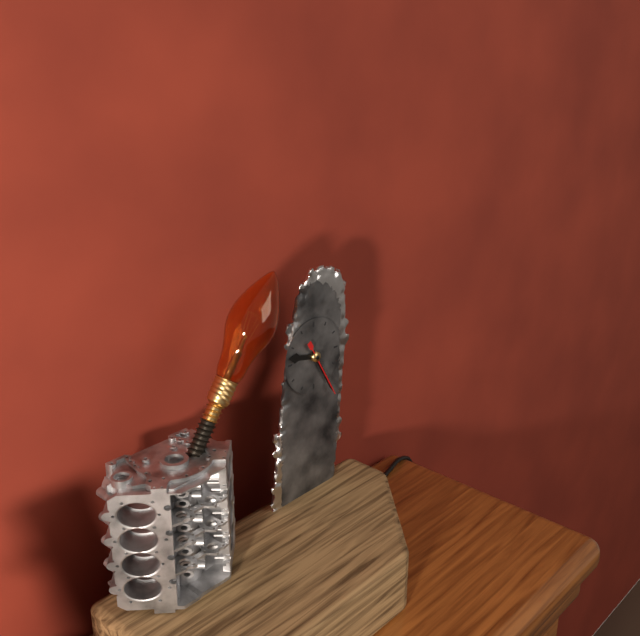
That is h=9 m=25 s=25
